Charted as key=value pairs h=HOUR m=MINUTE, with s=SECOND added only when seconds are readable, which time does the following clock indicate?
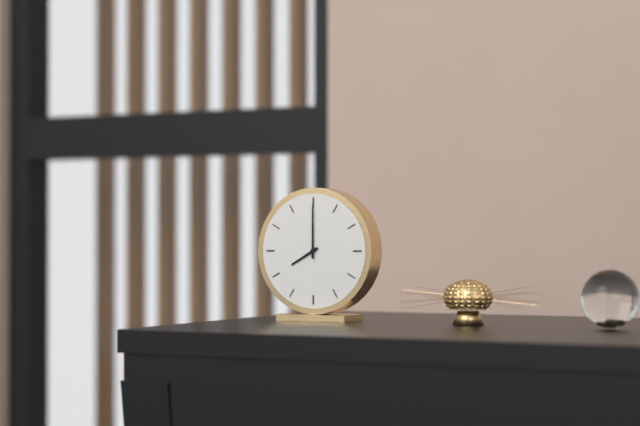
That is h=8 m=0
